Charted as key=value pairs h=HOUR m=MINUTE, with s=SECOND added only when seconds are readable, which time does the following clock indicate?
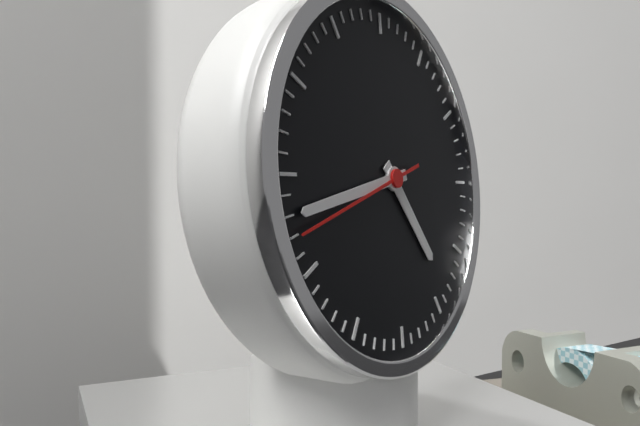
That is h=4 m=43 s=42
